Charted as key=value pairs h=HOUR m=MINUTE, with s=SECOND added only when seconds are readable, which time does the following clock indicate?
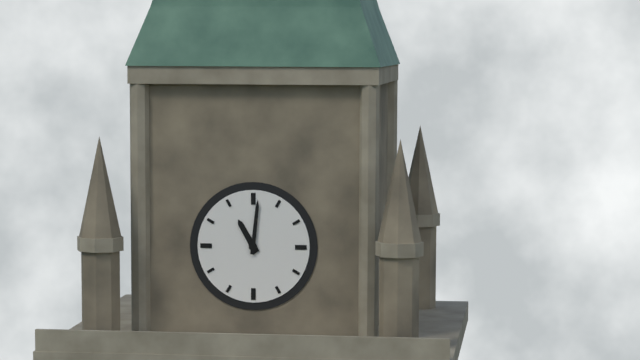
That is h=11 m=1
